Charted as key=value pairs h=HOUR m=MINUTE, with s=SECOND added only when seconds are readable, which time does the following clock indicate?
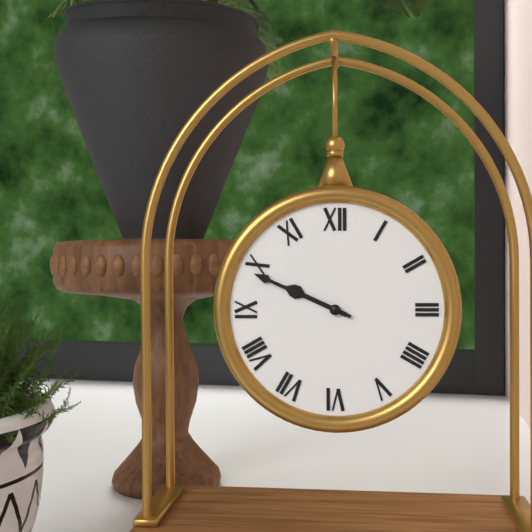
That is h=9 m=49
